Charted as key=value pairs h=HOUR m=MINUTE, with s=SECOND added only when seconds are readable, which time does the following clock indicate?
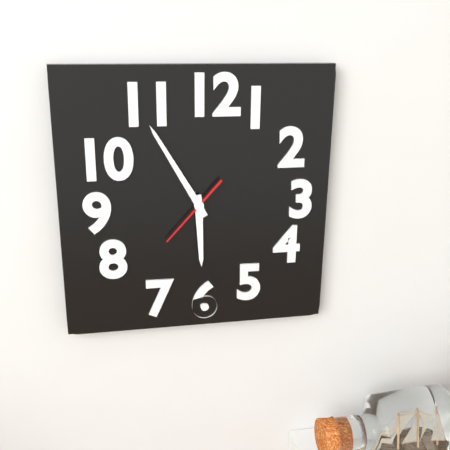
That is h=5 m=55 s=37
